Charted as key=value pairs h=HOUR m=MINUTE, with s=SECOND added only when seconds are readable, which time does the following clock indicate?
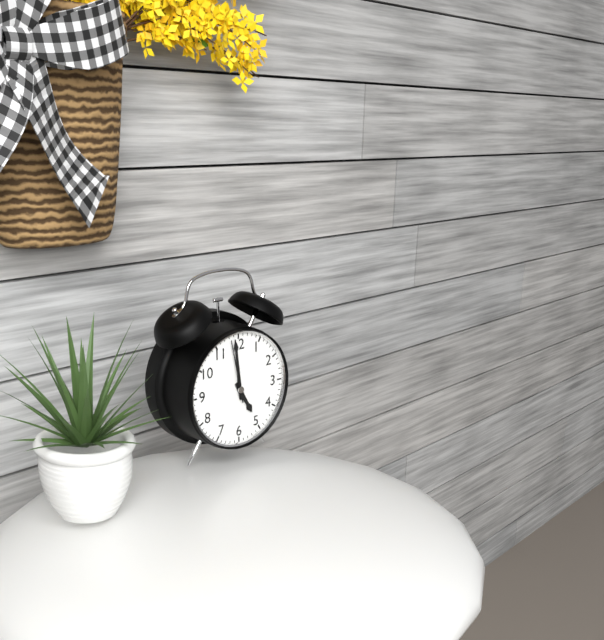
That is h=4 m=59 s=58
